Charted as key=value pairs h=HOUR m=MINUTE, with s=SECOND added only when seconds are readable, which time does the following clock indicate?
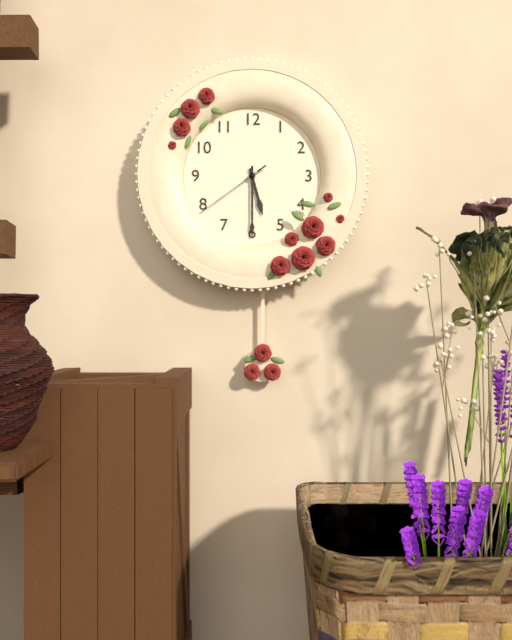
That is h=5 m=30 s=39
